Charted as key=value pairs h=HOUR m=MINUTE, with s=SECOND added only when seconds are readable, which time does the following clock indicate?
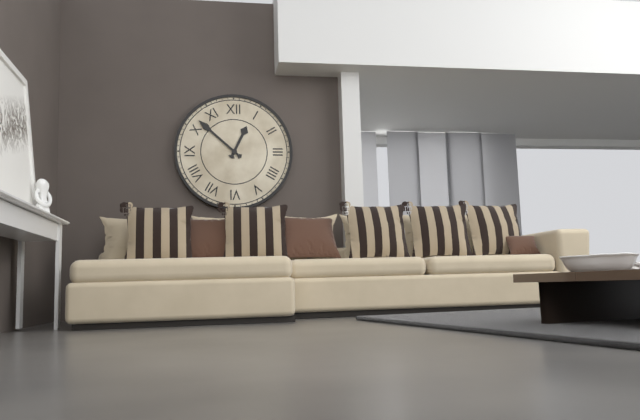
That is h=12 m=52
